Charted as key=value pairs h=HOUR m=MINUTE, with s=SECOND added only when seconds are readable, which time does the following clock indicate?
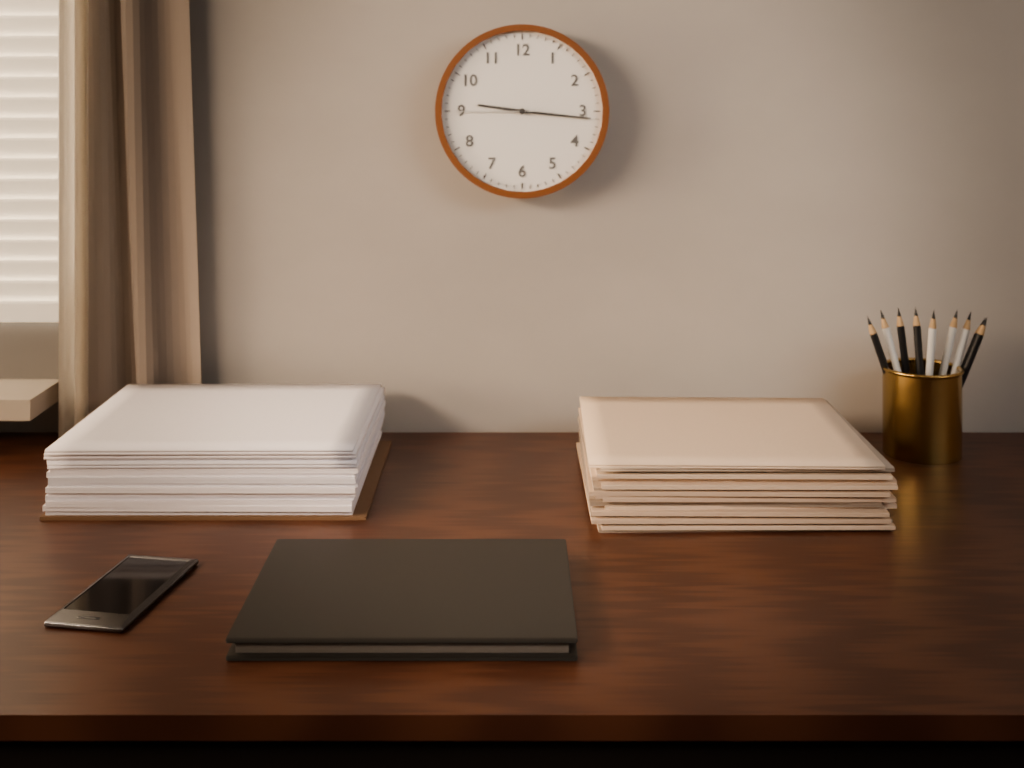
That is h=9 m=16 s=45
